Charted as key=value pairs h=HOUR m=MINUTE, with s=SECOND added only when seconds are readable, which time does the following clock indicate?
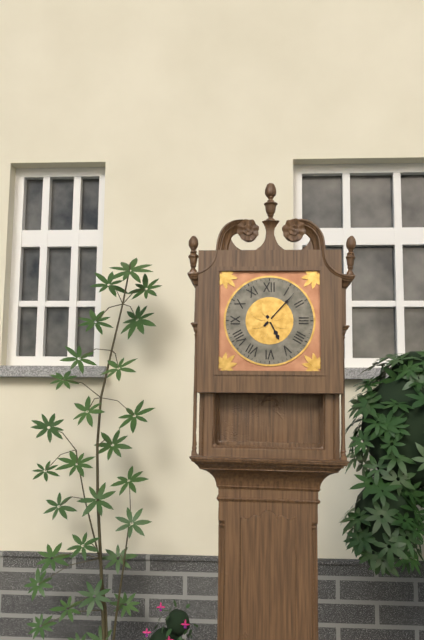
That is h=5 m=7
